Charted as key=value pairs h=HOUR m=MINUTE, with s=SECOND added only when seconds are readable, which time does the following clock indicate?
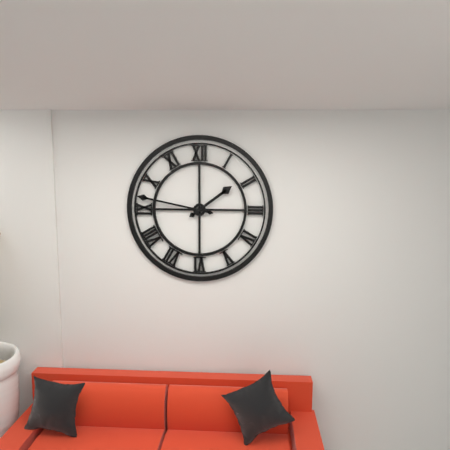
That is h=1 m=47
